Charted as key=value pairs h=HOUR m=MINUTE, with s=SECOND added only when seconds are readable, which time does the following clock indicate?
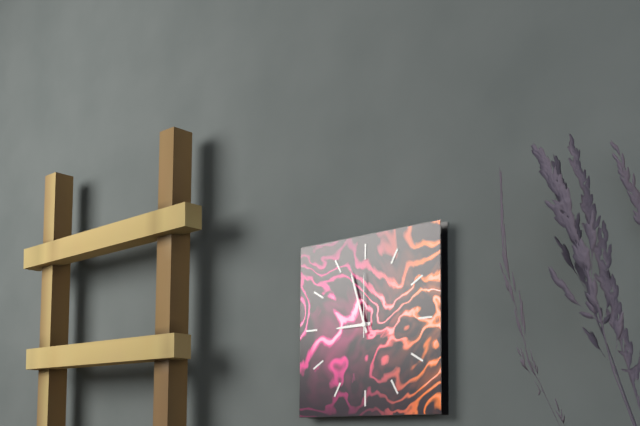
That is h=8 m=57 s=0
